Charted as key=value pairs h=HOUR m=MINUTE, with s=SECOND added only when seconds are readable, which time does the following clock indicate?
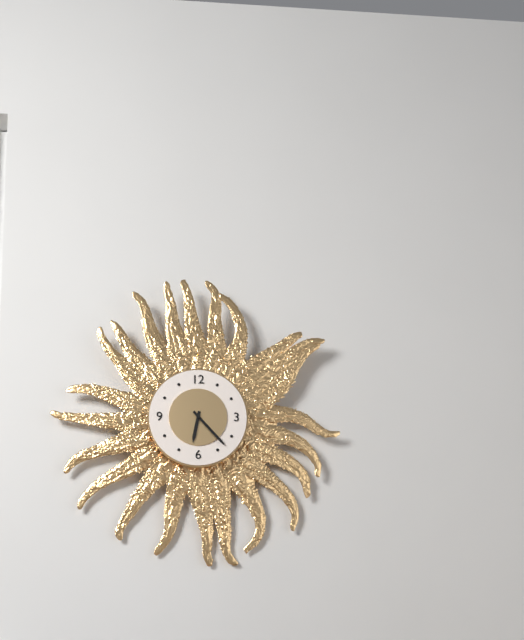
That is h=6 m=23
